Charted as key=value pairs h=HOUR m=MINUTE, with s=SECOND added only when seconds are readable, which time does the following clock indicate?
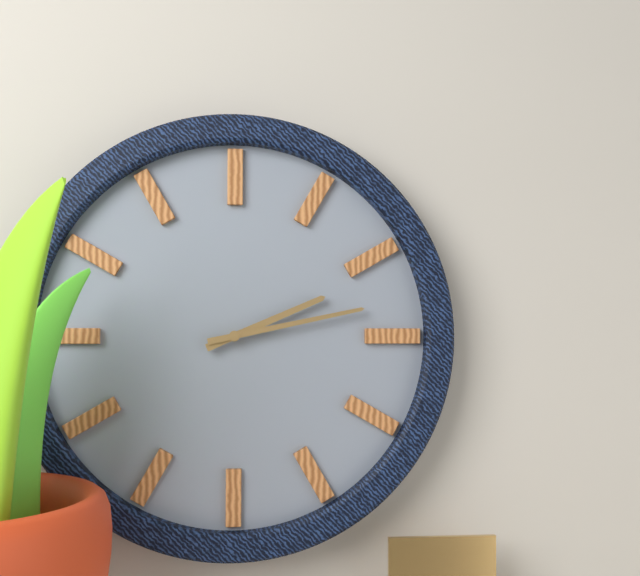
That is h=2 m=13
